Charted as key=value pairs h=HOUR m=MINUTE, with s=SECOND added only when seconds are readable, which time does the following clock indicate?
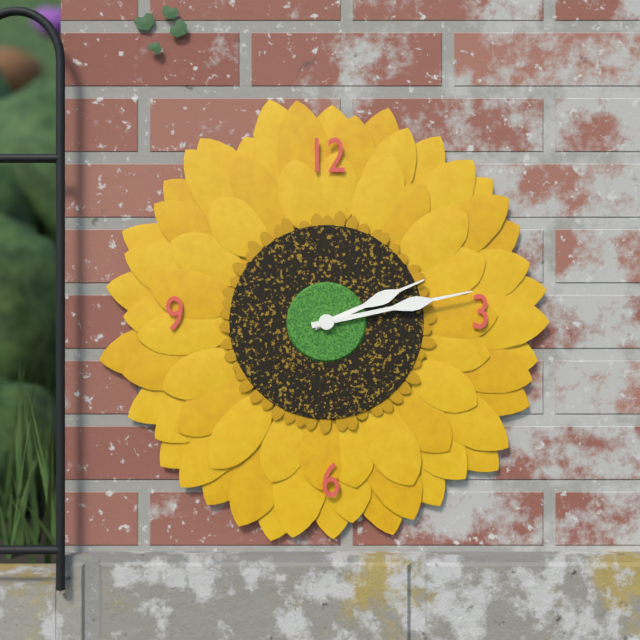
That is h=2 m=13
